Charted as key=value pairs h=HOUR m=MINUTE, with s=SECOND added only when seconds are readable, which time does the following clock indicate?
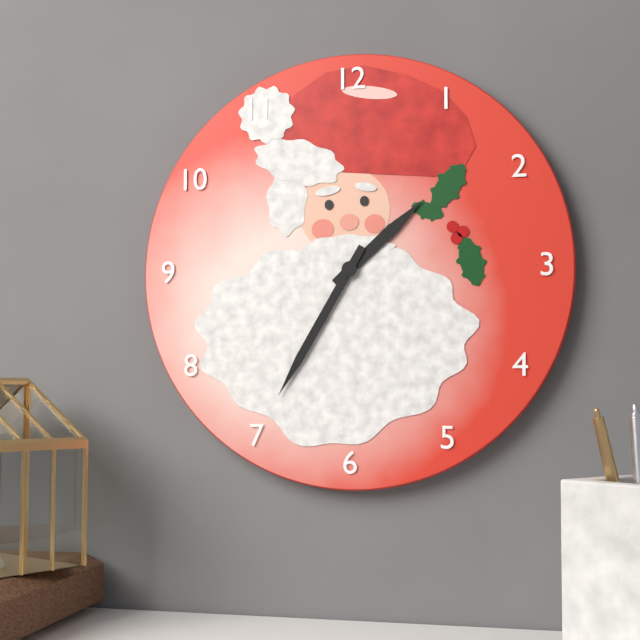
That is h=1 m=35
